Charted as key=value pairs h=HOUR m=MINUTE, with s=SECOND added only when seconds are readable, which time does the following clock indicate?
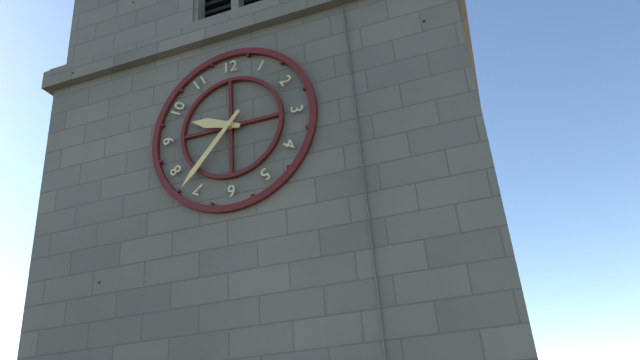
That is h=9 m=37
